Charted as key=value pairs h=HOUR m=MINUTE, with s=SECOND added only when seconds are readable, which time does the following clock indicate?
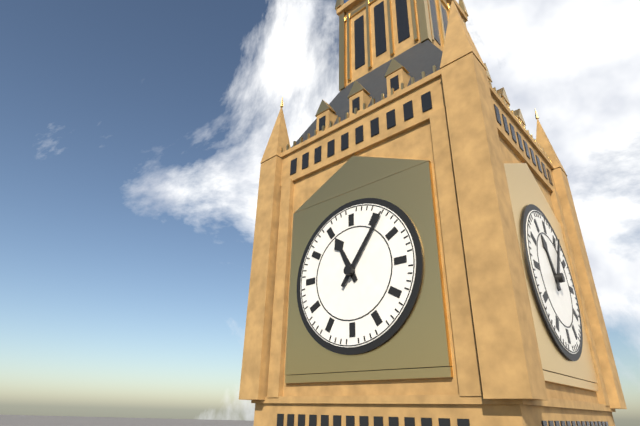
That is h=11 m=6
